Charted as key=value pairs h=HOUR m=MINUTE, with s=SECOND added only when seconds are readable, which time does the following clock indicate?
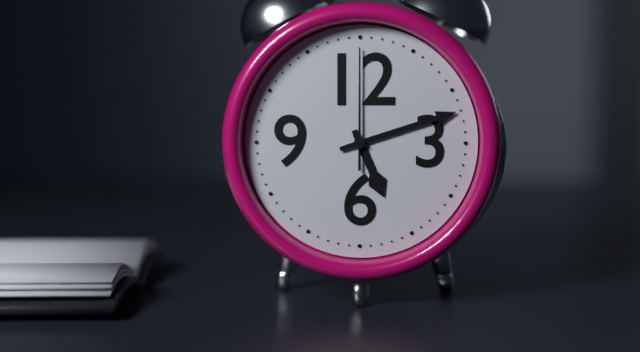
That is h=5 m=12 s=0
